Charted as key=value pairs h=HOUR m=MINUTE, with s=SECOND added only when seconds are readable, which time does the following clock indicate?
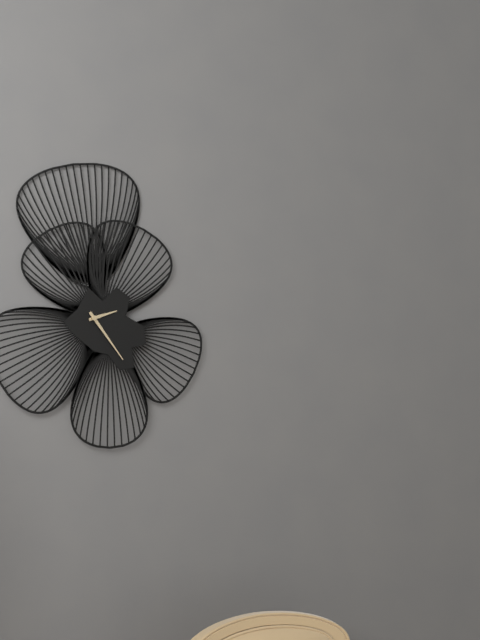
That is h=2 m=24
